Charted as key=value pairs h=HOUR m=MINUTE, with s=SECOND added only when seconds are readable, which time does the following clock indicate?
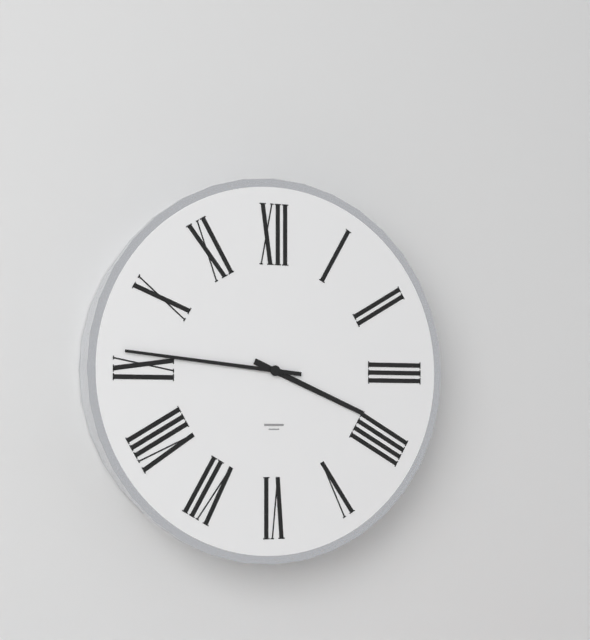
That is h=3 m=46
